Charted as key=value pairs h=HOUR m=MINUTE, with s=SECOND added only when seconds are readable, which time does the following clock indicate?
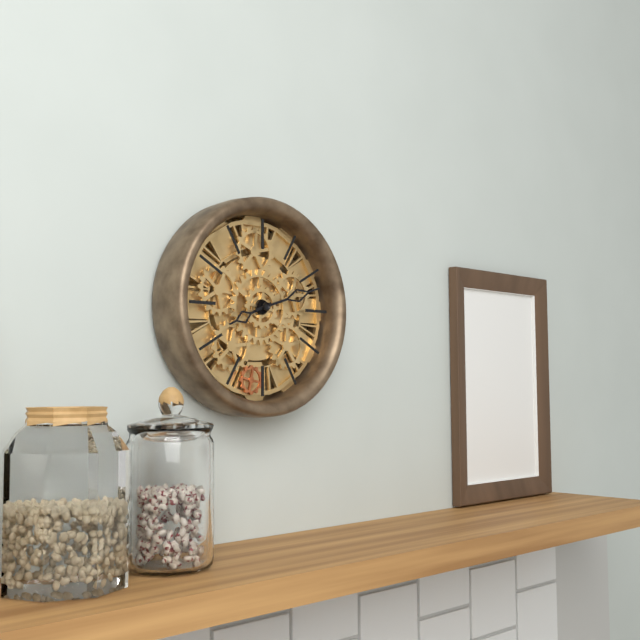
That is h=8 m=12
